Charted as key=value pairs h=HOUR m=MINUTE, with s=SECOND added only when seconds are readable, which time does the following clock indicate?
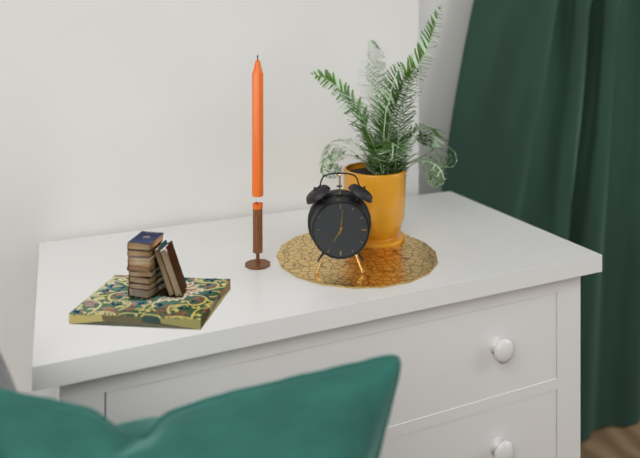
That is h=7 m=1
